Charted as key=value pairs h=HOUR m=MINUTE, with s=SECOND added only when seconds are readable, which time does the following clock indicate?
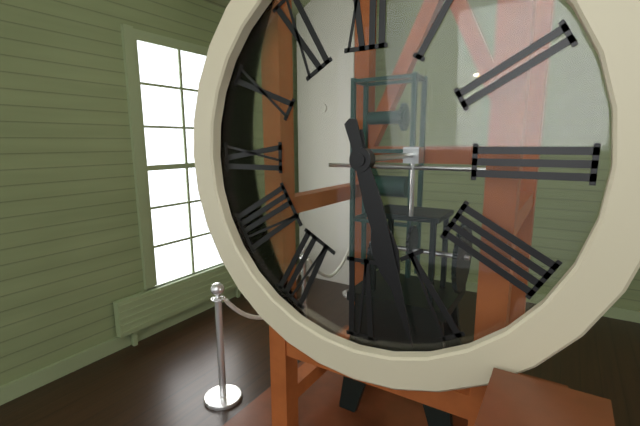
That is h=5 m=27
